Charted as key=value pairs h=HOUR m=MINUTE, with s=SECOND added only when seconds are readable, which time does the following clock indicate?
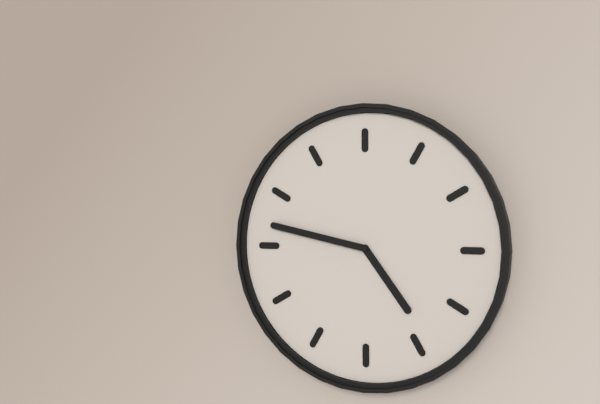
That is h=4 m=47
